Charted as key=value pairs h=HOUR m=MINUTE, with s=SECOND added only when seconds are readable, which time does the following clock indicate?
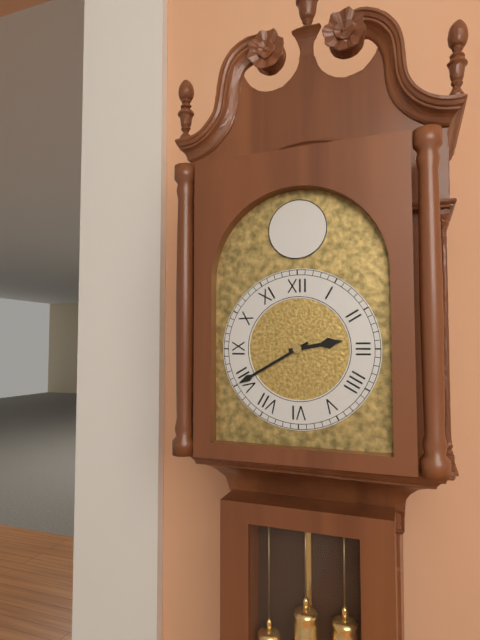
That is h=2 m=40
